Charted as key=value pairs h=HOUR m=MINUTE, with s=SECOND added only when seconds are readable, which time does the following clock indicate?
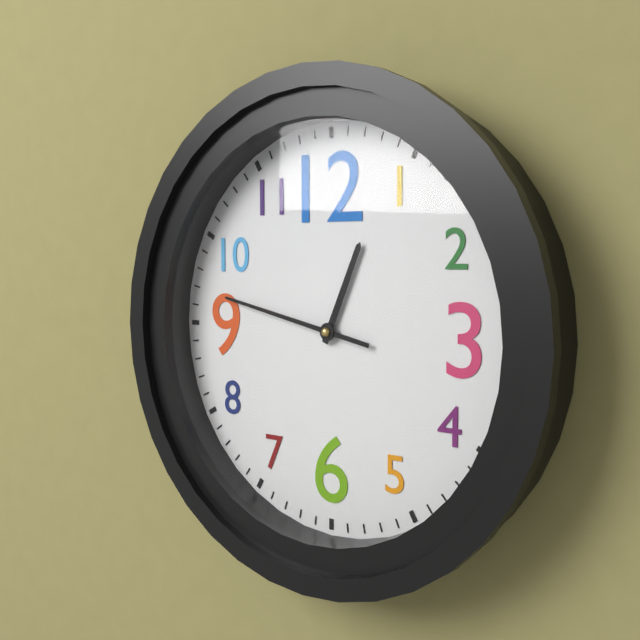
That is h=12 m=47
